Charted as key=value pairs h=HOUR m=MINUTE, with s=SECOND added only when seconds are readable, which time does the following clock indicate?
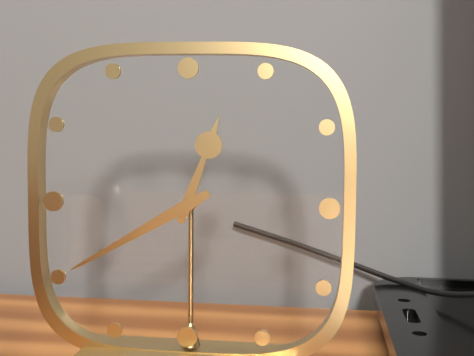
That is h=12 m=40
